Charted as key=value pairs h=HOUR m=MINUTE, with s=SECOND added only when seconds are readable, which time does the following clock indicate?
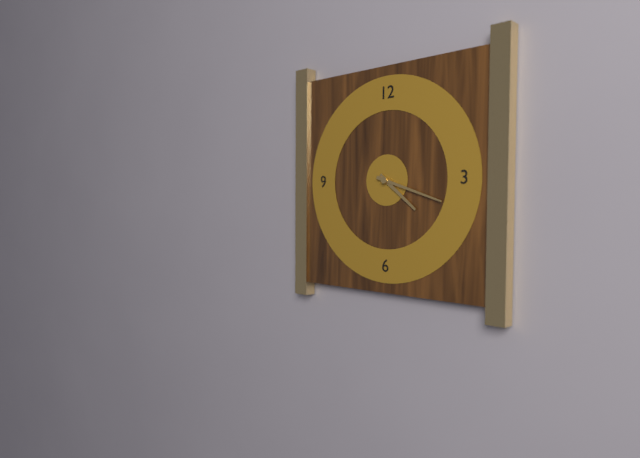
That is h=4 m=18
